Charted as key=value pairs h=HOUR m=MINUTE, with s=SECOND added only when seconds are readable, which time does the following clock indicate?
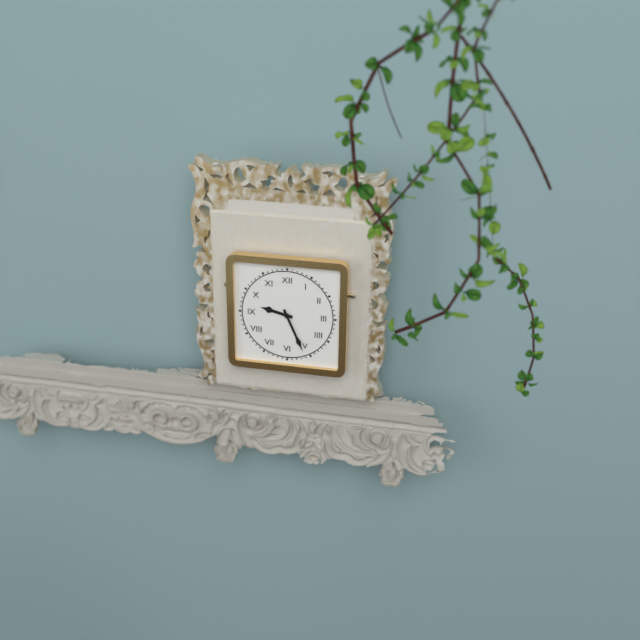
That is h=9 m=26
